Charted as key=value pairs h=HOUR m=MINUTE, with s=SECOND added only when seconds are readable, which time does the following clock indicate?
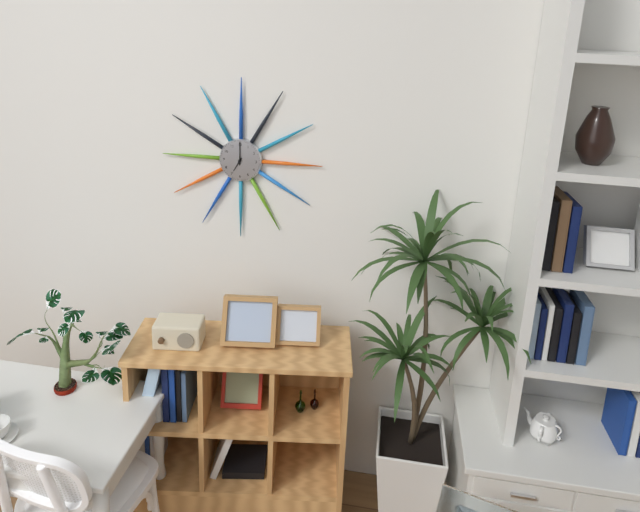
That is h=7 m=0
